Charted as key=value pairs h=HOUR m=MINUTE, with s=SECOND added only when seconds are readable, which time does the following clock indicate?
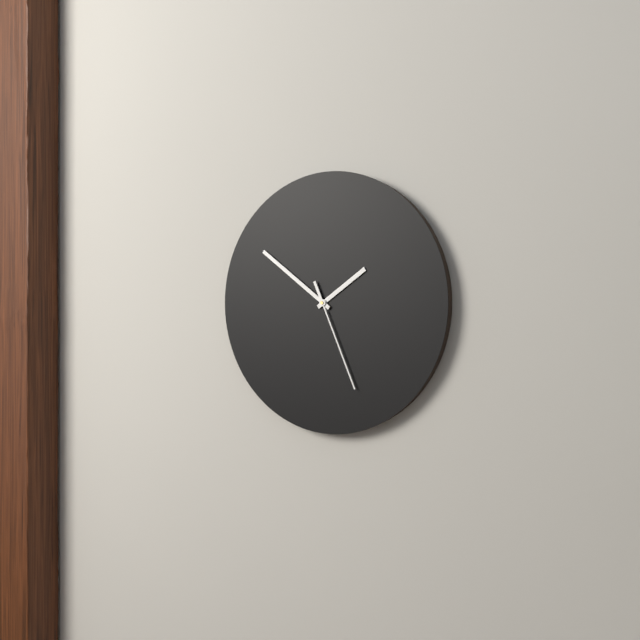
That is h=1 m=51 s=26
